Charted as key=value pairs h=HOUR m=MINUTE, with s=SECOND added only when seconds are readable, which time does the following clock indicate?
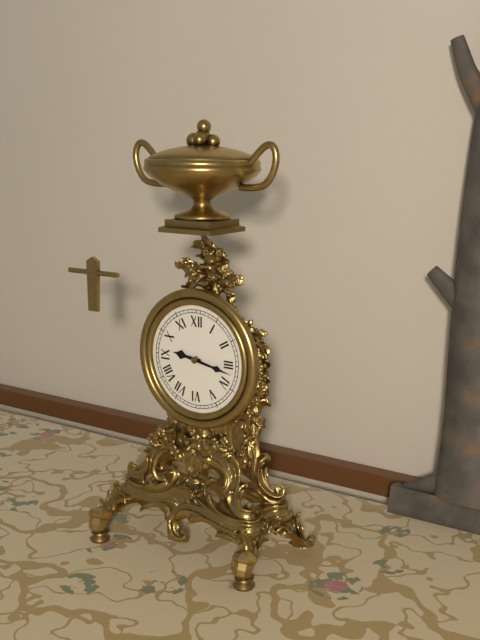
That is h=9 m=17
